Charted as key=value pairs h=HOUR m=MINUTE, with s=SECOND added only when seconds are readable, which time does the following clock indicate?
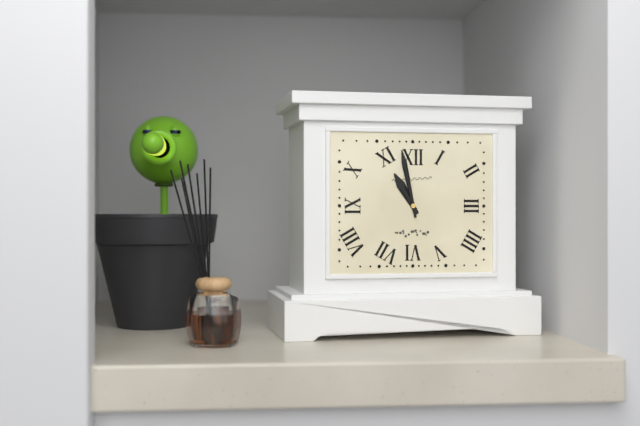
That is h=10 m=58
